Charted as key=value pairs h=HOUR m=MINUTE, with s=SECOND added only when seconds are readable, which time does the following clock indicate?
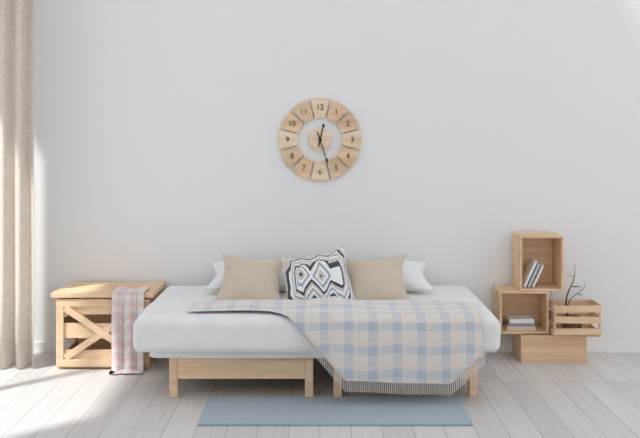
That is h=12 m=27
